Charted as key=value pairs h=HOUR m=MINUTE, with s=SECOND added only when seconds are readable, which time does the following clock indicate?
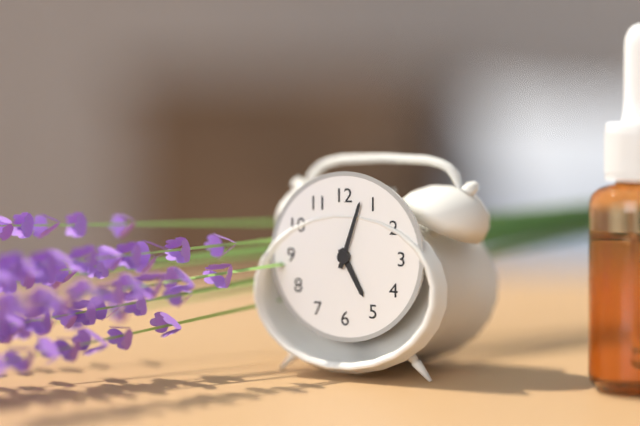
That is h=5 m=3
